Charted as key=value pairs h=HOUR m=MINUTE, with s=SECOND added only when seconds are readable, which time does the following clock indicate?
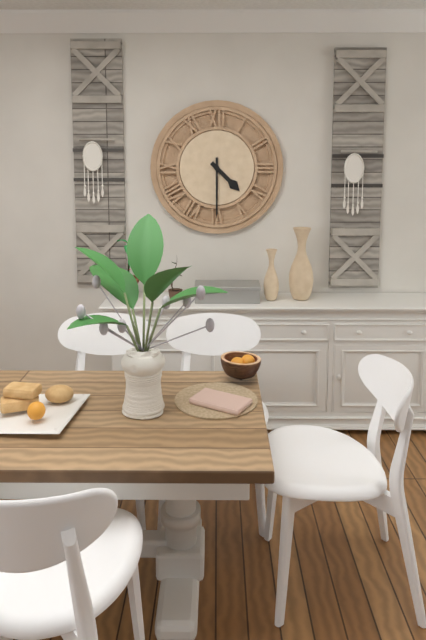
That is h=4 m=30
